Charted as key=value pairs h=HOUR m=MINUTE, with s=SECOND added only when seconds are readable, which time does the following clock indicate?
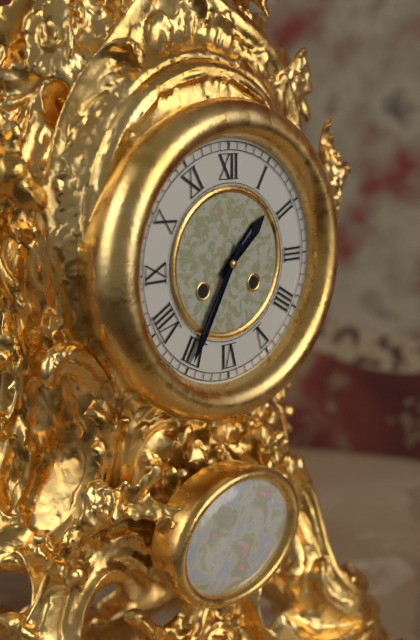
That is h=1 m=35
